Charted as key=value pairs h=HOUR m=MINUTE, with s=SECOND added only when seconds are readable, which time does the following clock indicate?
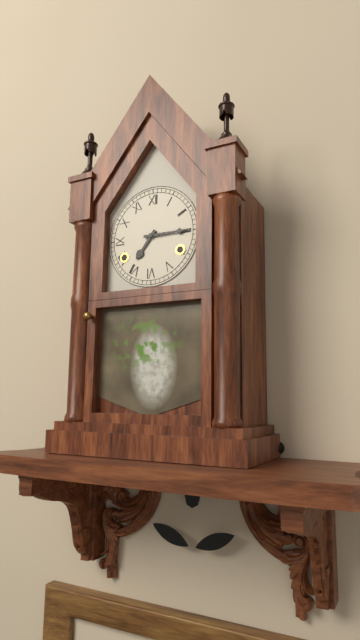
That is h=7 m=15
